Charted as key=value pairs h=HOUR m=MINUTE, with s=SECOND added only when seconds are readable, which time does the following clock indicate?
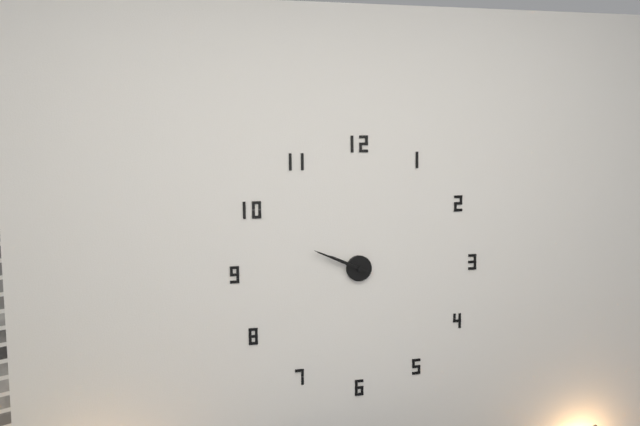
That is h=9 m=49
